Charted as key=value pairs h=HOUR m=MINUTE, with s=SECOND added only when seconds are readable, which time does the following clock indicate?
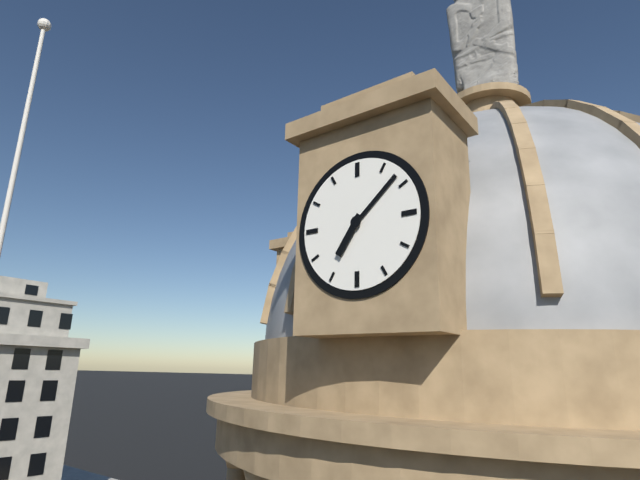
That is h=7 m=8
